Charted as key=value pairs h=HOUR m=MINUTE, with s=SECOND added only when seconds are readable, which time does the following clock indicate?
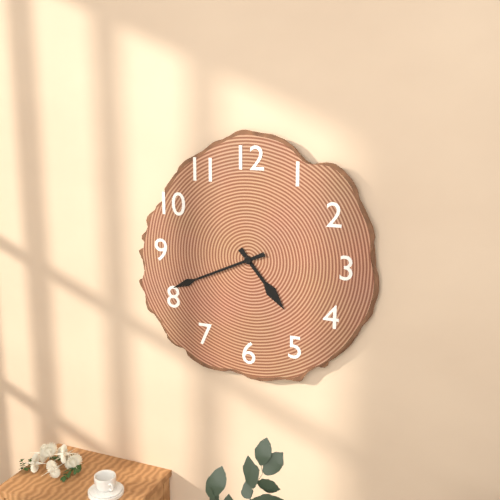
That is h=4 m=41
